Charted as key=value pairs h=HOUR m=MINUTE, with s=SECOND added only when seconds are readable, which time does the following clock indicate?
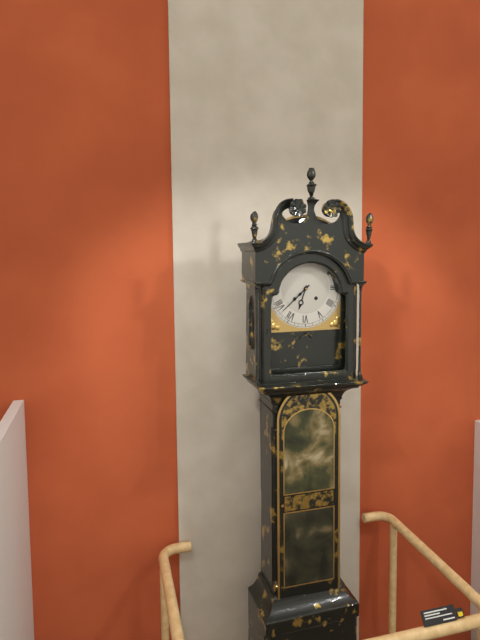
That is h=6 m=38
